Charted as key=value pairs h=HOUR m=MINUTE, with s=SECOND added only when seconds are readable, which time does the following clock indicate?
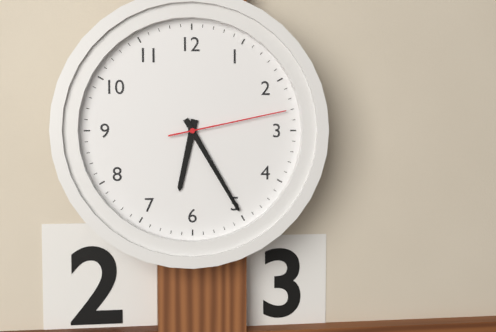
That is h=6 m=25 s=13
